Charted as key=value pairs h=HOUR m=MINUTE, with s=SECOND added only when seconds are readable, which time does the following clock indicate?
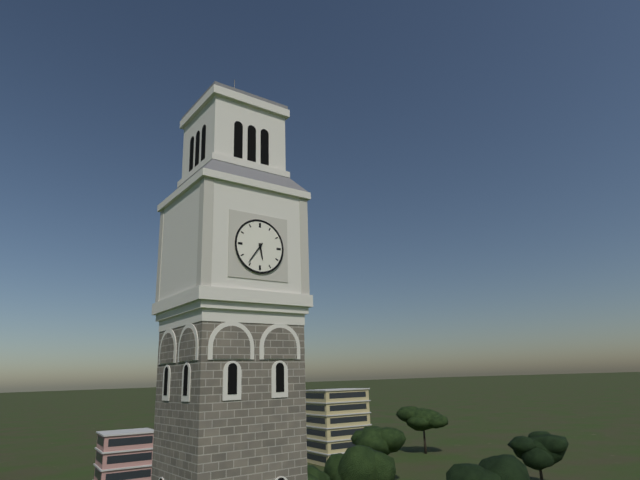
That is h=5 m=36
